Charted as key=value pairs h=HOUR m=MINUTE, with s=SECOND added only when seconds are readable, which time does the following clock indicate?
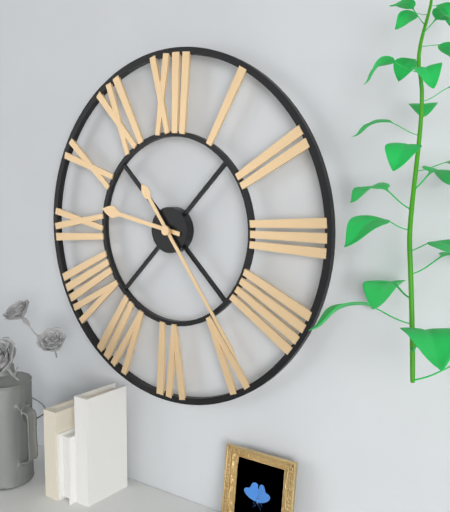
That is h=9 m=24
